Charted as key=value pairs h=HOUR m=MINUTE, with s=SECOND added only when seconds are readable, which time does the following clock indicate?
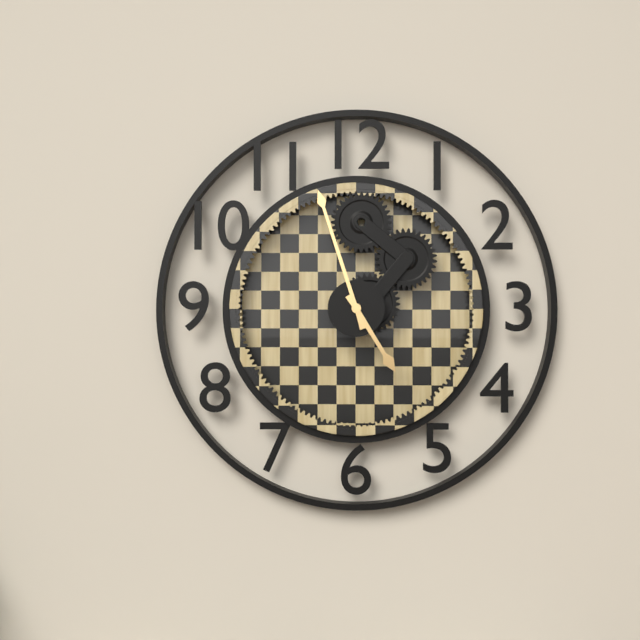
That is h=4 m=57
